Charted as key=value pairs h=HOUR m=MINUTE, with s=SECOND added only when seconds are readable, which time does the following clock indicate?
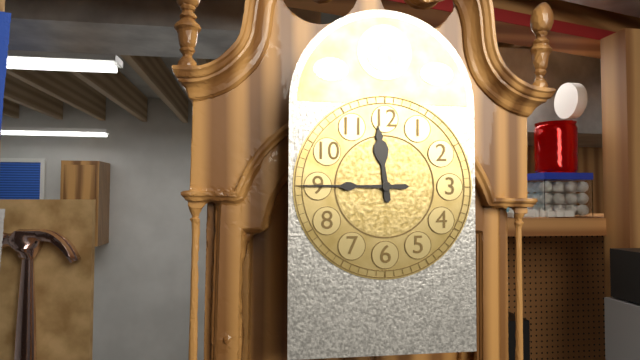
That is h=11 m=45
